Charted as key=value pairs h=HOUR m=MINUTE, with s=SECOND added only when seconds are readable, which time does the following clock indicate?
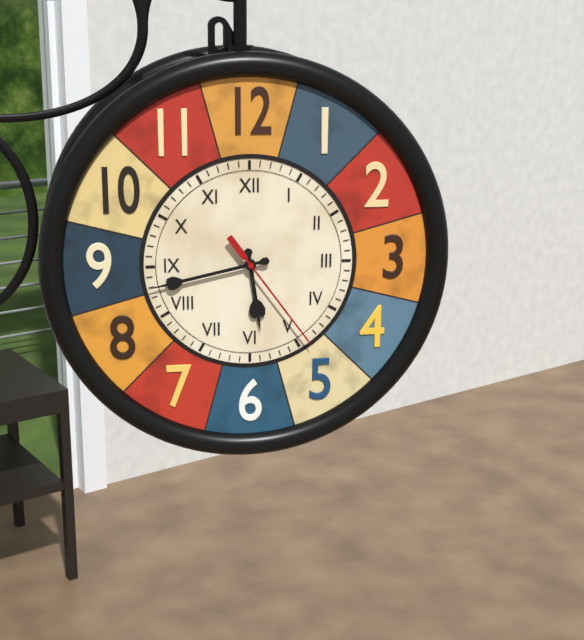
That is h=5 m=43 s=24
